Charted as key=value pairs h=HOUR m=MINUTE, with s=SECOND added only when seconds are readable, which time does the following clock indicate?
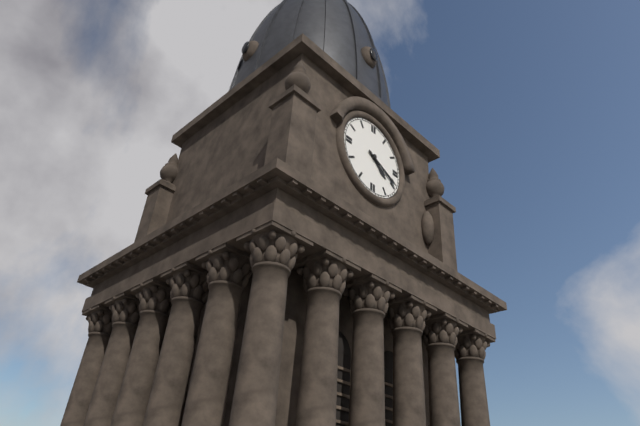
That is h=4 m=19
